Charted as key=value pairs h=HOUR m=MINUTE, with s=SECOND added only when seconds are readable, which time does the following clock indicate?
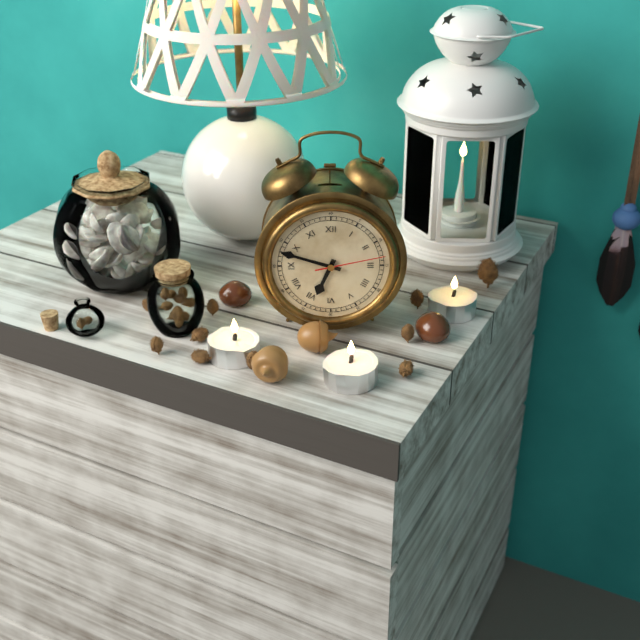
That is h=6 m=48 s=13
